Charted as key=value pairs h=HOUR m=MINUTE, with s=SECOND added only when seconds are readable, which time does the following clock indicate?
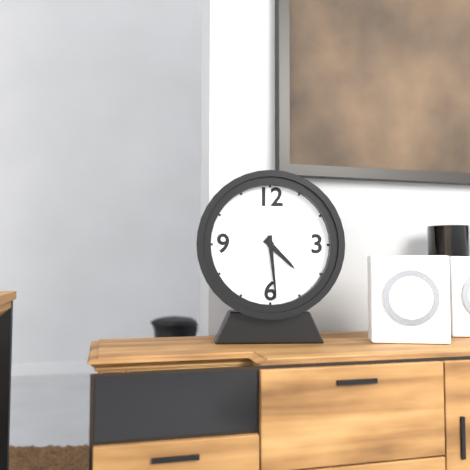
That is h=4 m=29
